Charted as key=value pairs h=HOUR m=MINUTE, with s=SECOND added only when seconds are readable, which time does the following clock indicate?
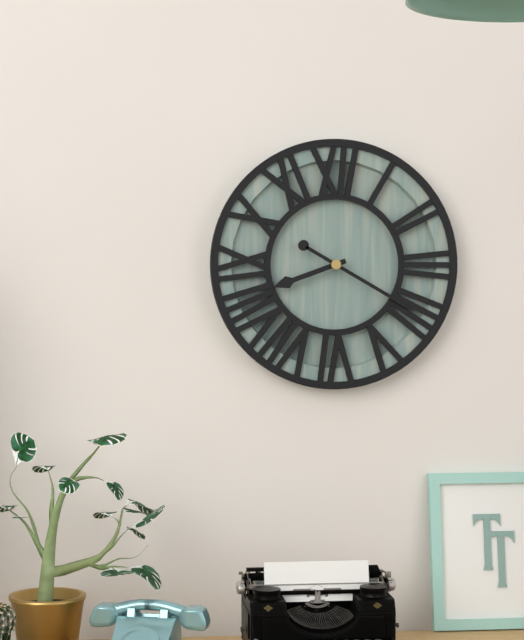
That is h=8 m=20
